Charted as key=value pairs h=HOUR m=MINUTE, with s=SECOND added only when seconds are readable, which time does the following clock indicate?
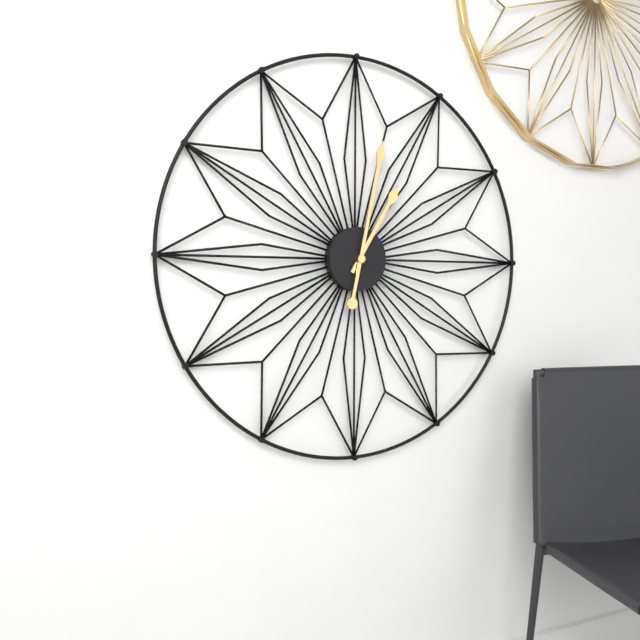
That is h=1 m=2
